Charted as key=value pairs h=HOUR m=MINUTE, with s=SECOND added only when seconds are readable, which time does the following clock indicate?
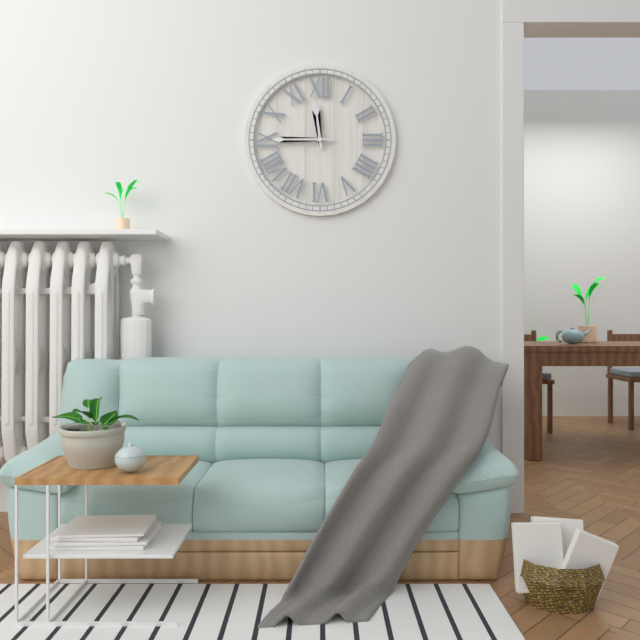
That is h=11 m=45
